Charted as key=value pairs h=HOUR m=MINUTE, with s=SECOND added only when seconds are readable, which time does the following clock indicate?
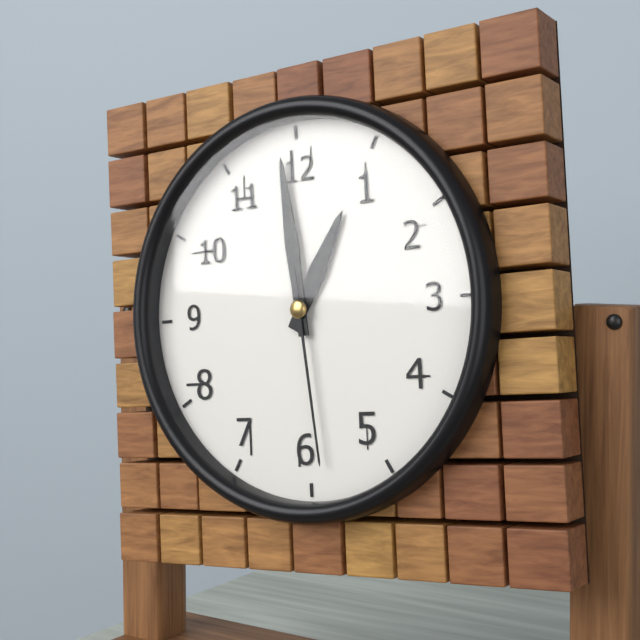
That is h=12 m=59 s=29
